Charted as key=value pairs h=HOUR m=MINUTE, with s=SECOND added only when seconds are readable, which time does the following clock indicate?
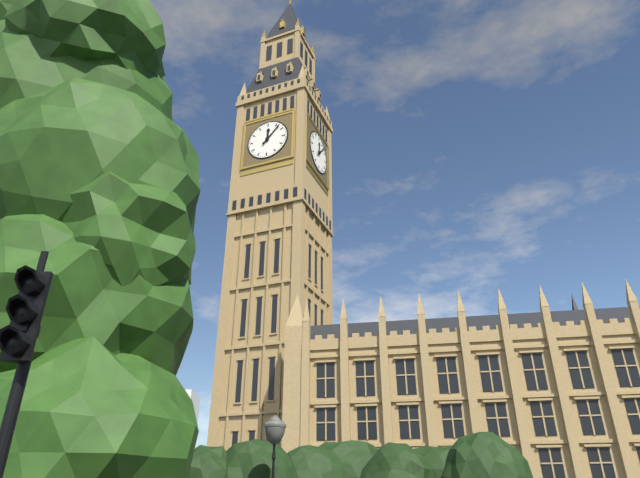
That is h=12 m=7
